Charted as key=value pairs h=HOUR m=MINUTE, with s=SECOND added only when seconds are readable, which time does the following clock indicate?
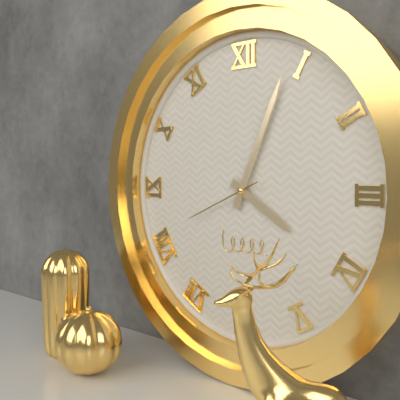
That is h=4 m=4 s=41
